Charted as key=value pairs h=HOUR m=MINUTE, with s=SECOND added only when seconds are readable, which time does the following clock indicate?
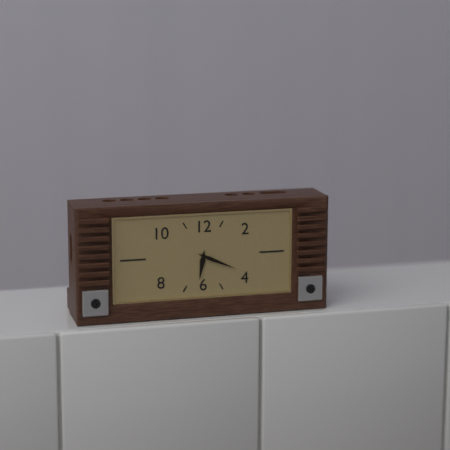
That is h=6 m=19
